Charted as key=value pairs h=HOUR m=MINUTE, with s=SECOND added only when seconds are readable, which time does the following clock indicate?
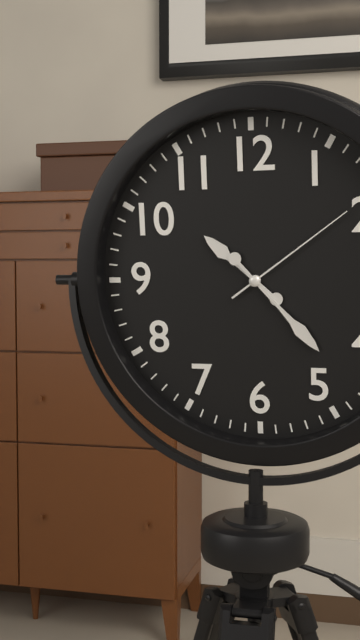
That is h=10 m=23 s=9
